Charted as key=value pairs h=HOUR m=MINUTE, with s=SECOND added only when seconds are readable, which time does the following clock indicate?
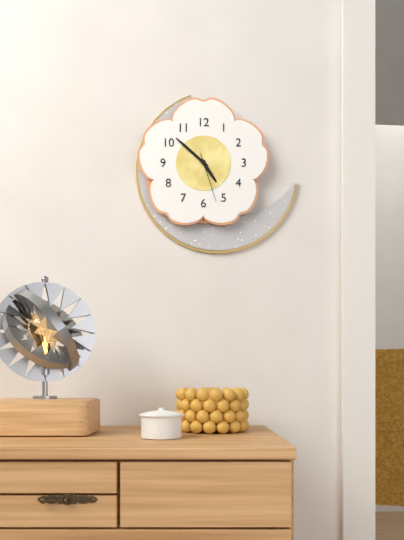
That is h=4 m=52 s=27
